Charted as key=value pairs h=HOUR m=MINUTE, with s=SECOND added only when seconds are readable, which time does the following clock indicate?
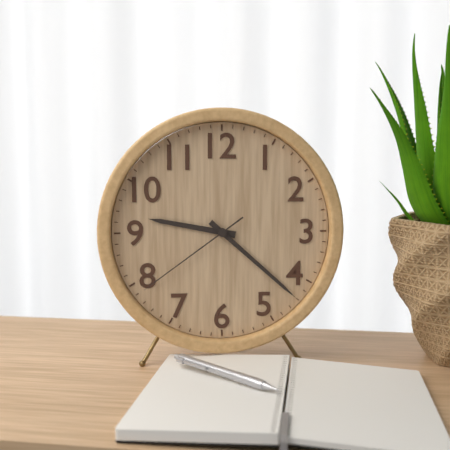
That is h=9 m=22 s=39
